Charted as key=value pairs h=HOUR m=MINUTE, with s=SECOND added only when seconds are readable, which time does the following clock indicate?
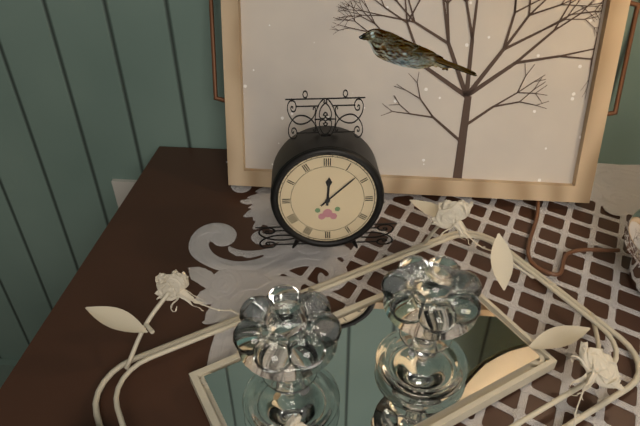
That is h=12 m=8
